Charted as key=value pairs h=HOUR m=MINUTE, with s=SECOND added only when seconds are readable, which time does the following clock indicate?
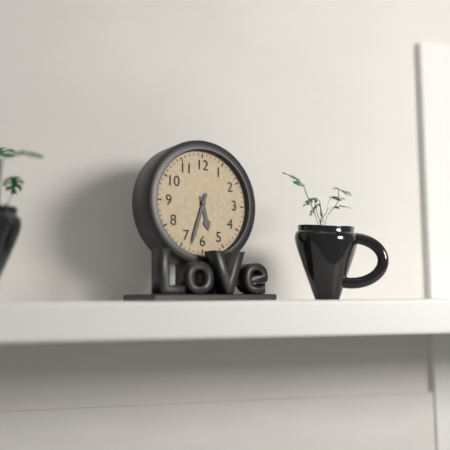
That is h=5 m=33
